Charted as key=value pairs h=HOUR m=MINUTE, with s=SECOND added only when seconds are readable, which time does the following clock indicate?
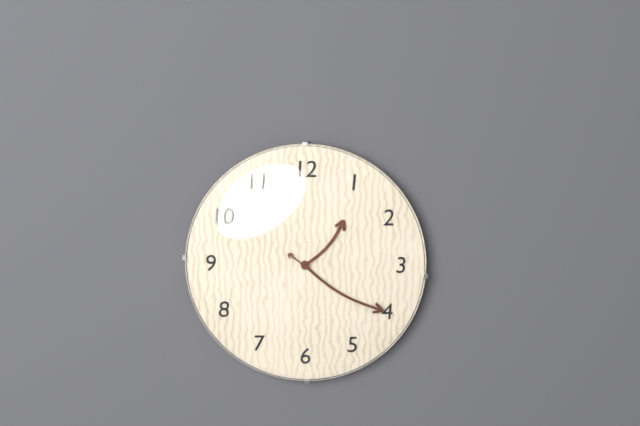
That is h=1 m=20
